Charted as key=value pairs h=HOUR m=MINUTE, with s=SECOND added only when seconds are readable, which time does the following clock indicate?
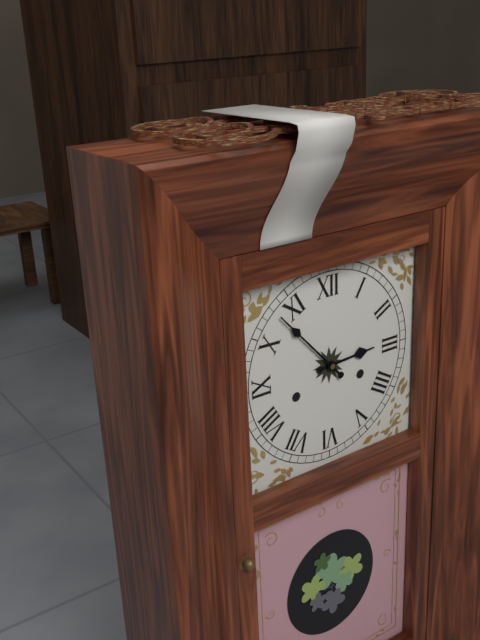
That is h=2 m=53
